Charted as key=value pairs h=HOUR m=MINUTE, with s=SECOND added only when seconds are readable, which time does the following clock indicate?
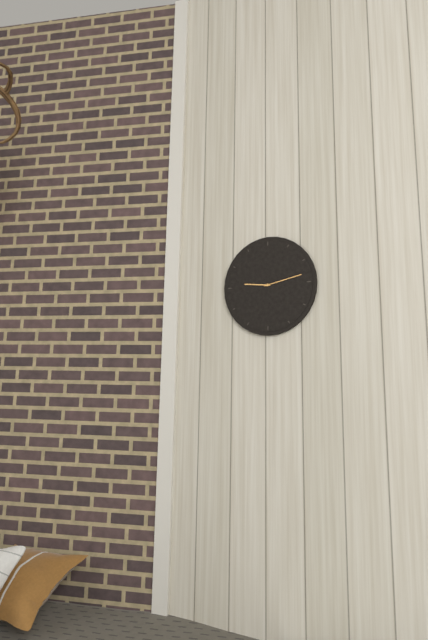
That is h=9 m=13
